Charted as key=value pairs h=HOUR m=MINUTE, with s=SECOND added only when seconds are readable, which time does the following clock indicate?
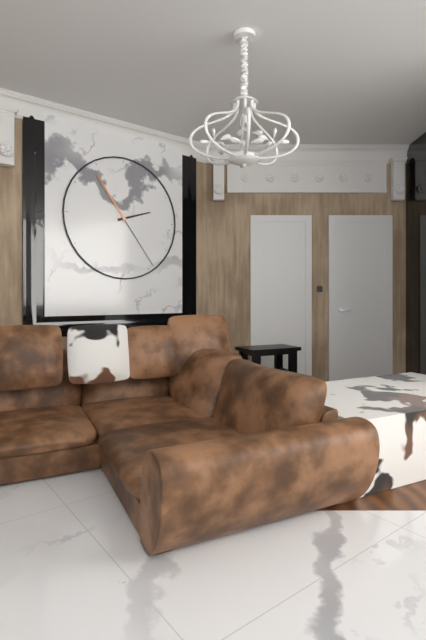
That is h=2 m=24
